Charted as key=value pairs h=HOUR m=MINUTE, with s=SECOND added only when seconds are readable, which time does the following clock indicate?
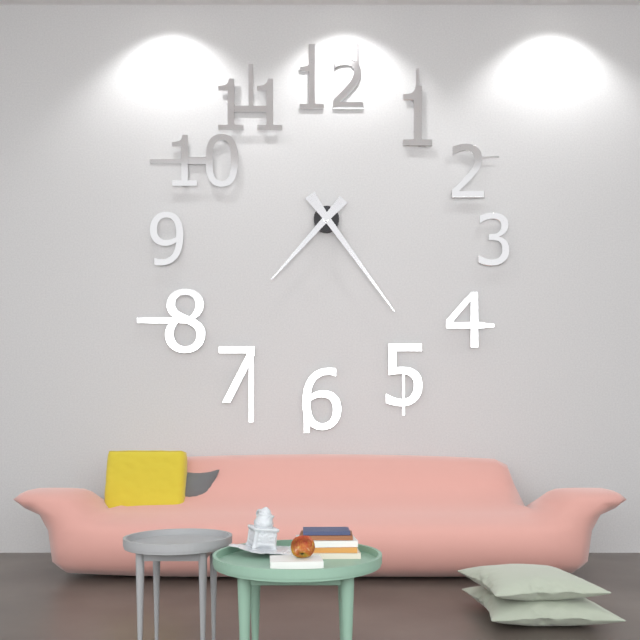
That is h=7 m=24
